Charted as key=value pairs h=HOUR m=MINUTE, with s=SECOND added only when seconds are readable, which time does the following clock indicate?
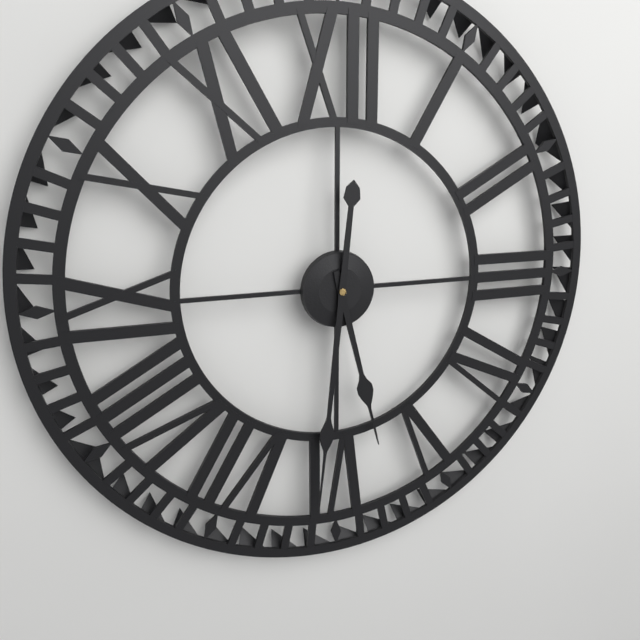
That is h=5 m=31
